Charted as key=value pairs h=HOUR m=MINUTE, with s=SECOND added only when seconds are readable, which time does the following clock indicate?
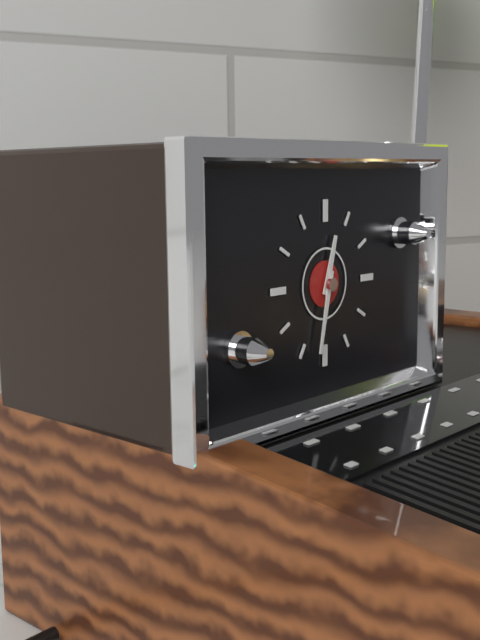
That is h=12 m=32
